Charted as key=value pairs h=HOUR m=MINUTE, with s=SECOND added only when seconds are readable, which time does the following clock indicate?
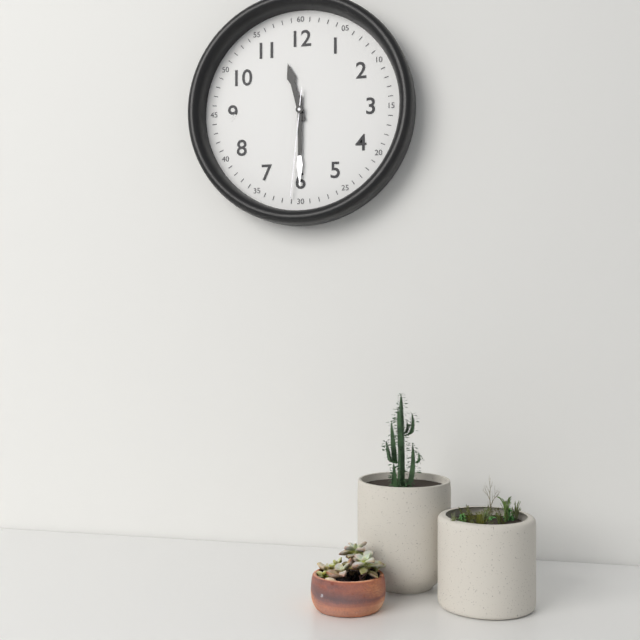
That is h=11 m=30 s=31
